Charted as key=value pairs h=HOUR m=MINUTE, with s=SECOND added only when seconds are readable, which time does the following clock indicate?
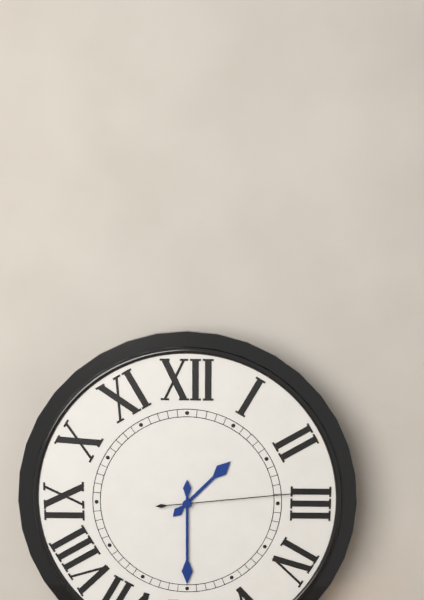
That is h=1 m=30 s=14
